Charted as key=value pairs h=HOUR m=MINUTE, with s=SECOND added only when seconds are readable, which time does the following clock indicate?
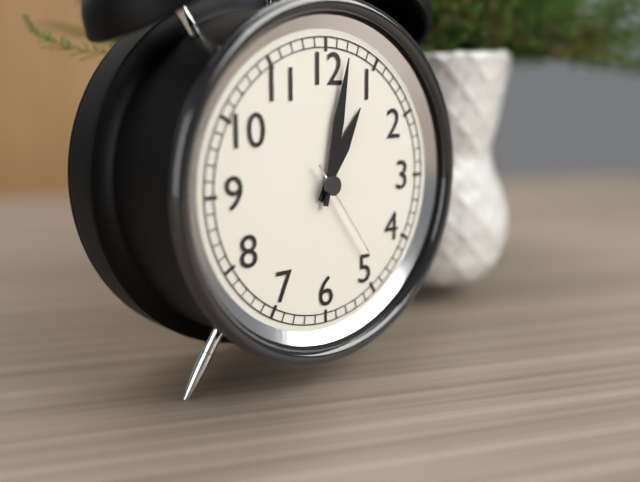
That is h=1 m=2 s=24
